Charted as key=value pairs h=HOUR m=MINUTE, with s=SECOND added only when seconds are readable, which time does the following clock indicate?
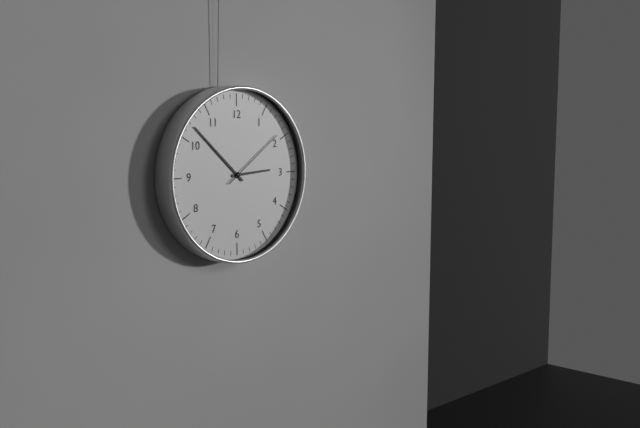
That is h=2 m=52 s=9
